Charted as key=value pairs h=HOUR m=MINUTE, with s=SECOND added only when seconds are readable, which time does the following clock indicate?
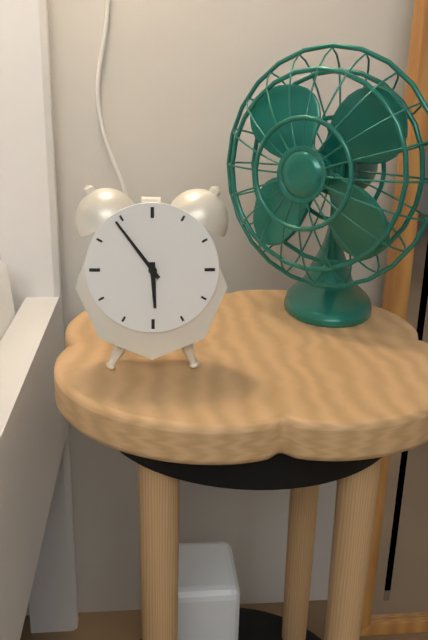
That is h=5 m=54
